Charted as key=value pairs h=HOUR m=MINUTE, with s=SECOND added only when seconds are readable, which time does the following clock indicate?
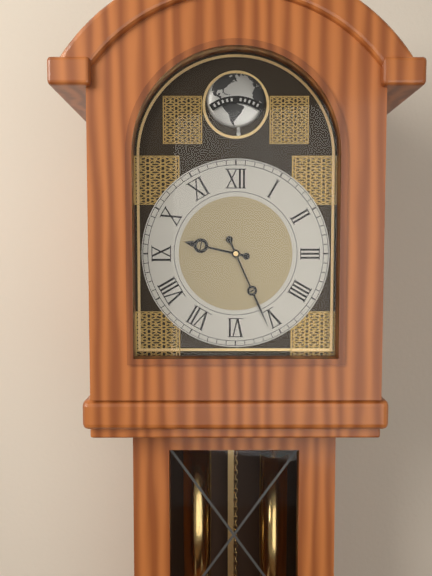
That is h=9 m=26
